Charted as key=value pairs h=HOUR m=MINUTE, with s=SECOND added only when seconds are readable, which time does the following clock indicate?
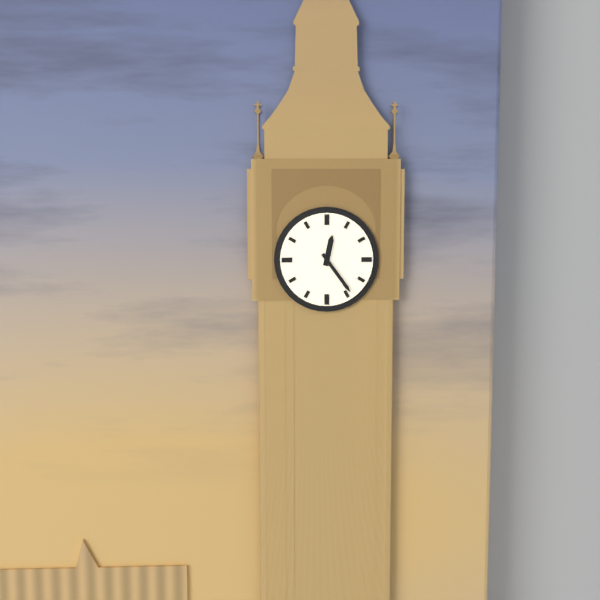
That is h=12 m=24
